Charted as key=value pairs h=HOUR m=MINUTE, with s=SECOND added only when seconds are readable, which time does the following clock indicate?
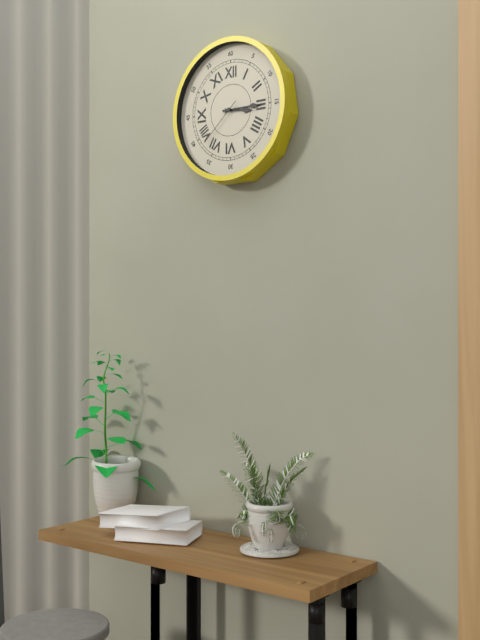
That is h=3 m=15 s=38
